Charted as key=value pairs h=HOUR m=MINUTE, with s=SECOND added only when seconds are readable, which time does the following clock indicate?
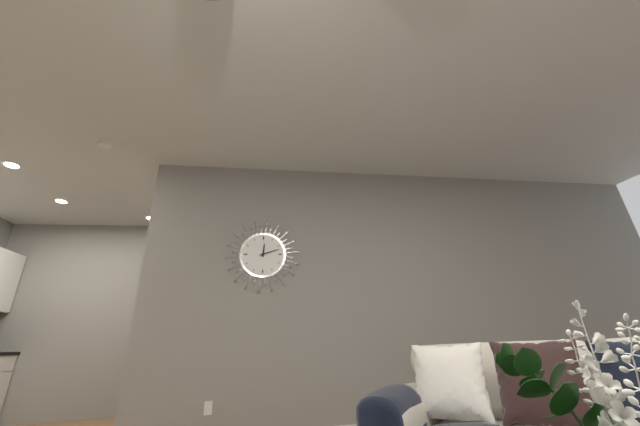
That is h=12 m=12
